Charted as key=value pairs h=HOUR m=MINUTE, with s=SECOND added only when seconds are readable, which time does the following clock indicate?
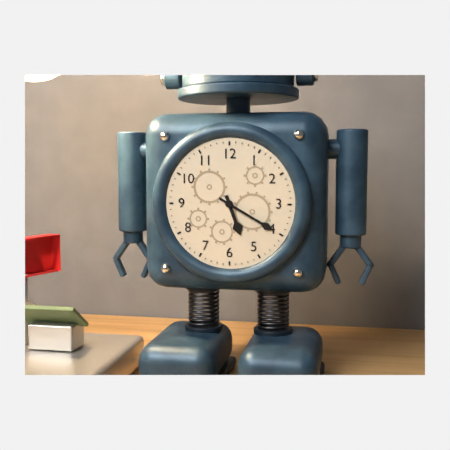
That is h=5 m=20
